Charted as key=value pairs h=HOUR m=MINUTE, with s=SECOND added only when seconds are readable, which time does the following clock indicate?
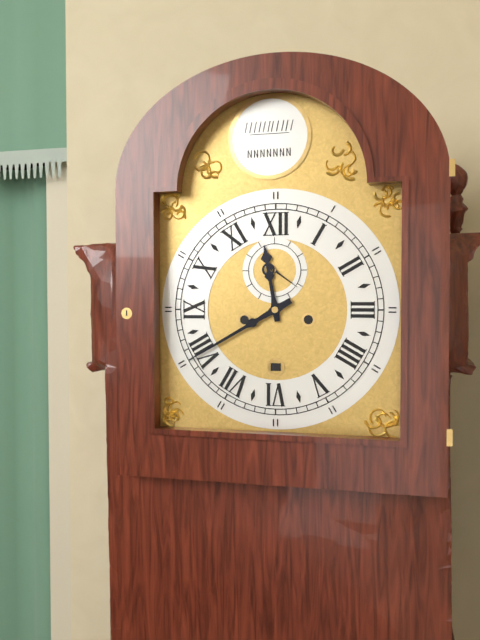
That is h=11 m=40
